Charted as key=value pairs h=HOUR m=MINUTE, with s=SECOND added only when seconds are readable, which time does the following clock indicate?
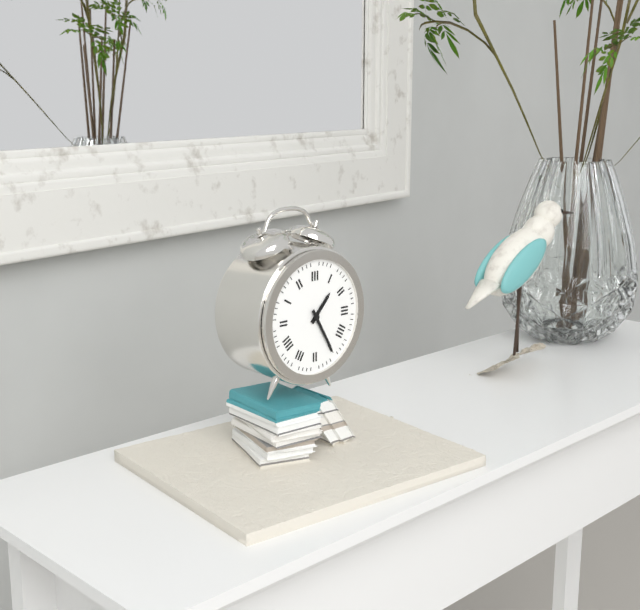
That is h=1 m=25
